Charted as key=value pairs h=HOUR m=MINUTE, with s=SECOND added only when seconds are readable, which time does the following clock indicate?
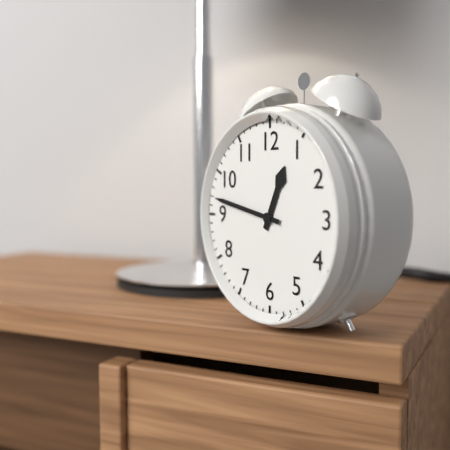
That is h=12 m=47
